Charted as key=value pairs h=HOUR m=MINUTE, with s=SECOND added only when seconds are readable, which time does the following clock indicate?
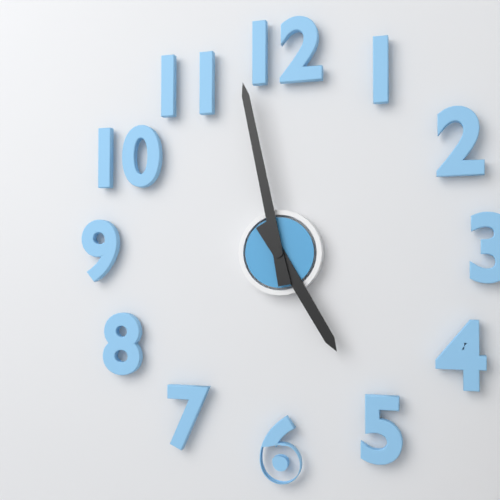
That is h=4 m=58
